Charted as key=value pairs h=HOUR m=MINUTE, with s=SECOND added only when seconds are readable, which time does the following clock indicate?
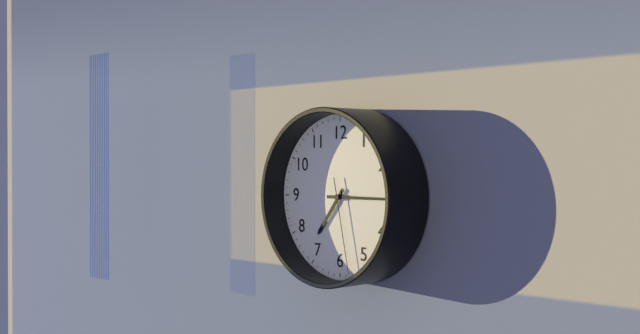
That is h=7 m=15 s=28
